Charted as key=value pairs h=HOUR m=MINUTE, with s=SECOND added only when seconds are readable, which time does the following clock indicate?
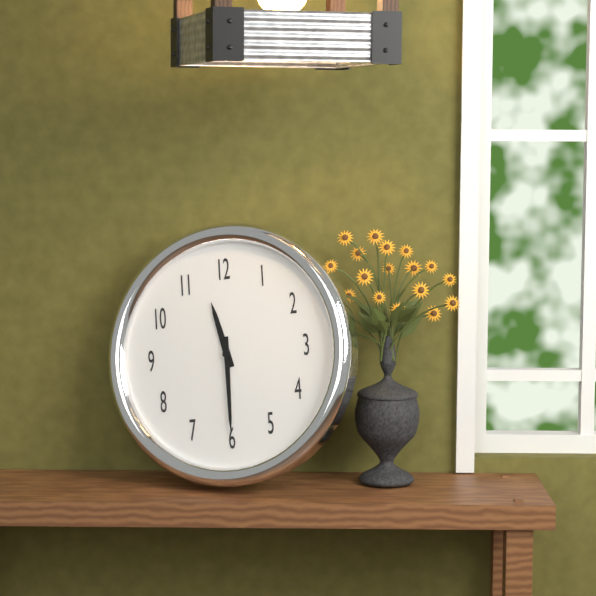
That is h=11 m=30
